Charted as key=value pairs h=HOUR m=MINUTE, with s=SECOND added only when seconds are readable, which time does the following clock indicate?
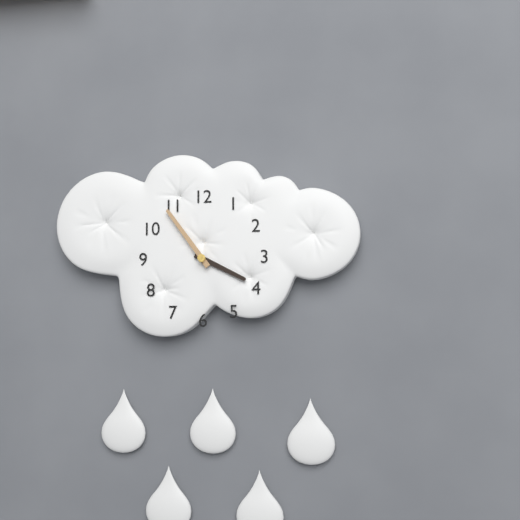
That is h=3 m=54
